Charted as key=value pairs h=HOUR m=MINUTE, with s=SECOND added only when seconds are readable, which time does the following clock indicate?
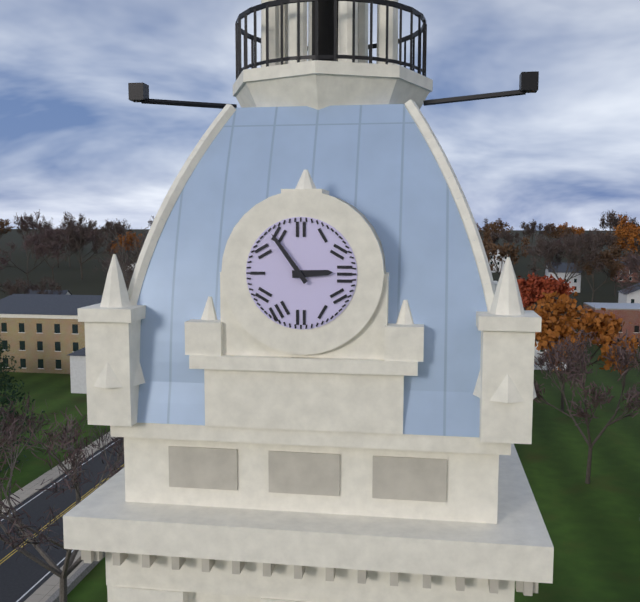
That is h=2 m=54
